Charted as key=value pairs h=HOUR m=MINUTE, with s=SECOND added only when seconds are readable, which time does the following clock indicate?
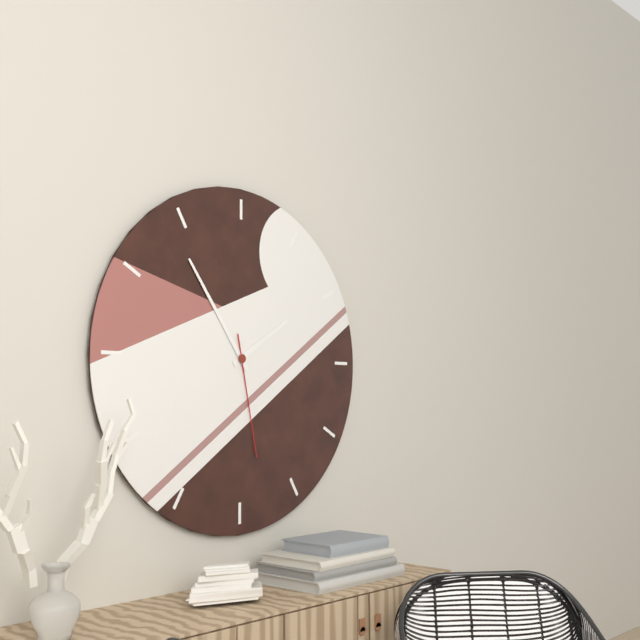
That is h=1 m=54 s=28
